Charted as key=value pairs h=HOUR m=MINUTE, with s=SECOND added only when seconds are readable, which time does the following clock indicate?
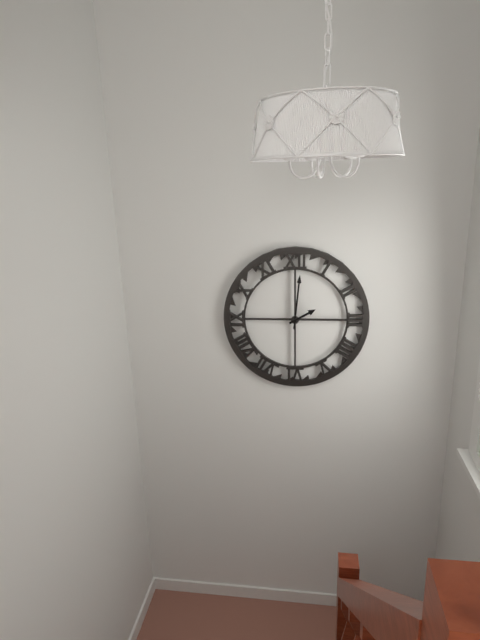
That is h=2 m=1
